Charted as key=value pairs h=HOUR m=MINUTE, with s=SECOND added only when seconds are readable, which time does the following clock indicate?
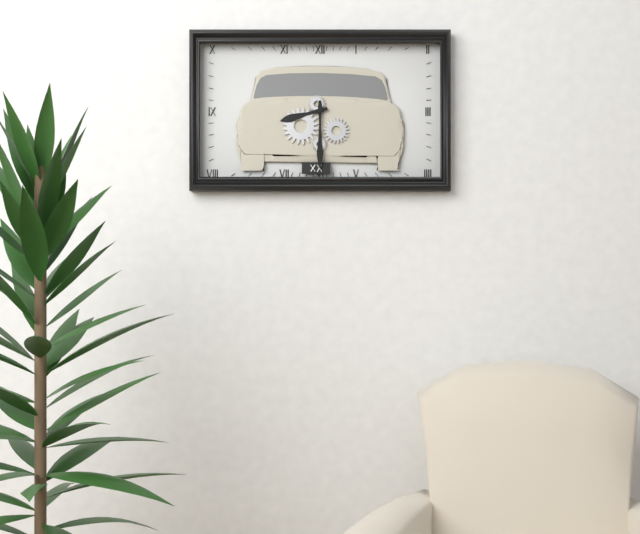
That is h=8 m=30
